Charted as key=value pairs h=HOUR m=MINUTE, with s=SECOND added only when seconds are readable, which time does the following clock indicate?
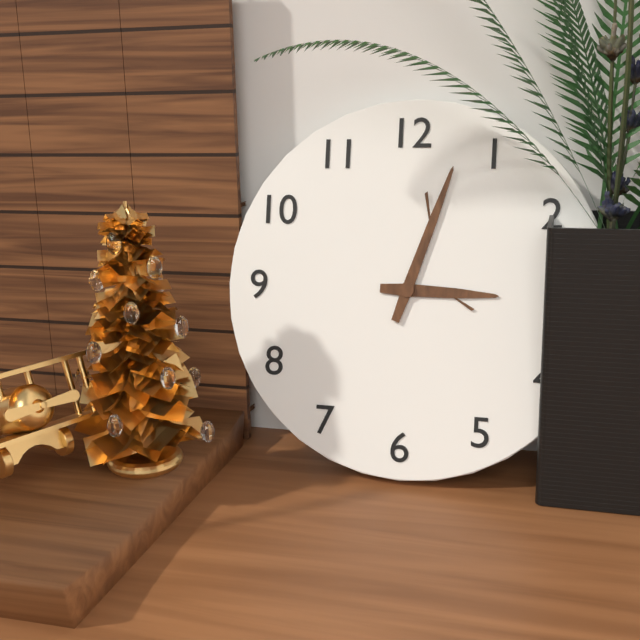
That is h=3 m=3
